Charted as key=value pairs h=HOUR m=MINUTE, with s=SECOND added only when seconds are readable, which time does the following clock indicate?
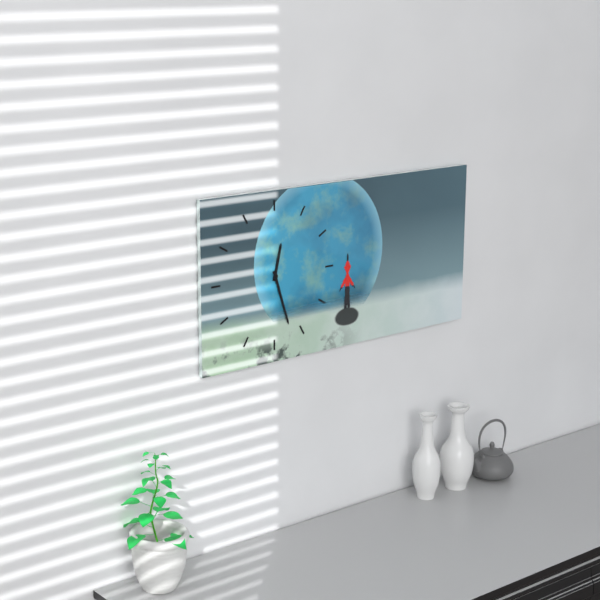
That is h=12 m=27
